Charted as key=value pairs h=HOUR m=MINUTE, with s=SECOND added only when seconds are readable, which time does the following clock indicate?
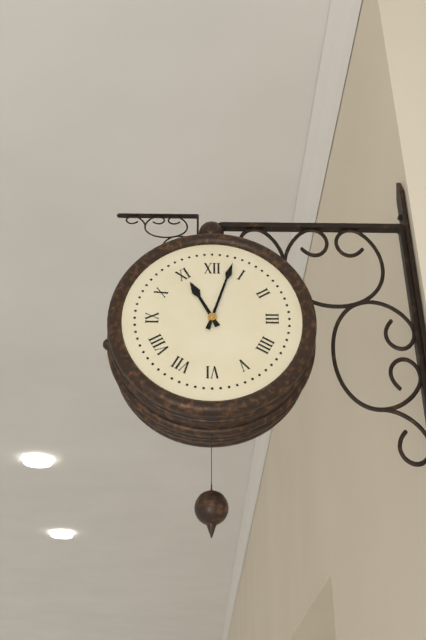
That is h=11 m=3
